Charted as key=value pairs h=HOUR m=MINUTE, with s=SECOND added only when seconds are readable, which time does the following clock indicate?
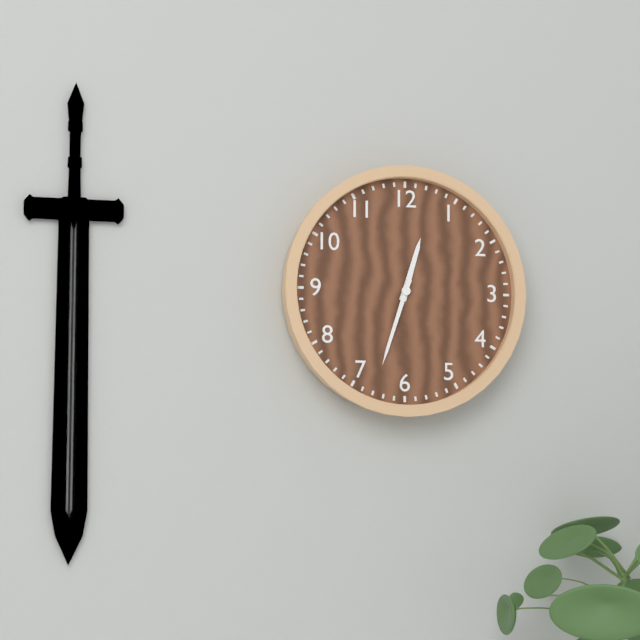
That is h=12 m=33
